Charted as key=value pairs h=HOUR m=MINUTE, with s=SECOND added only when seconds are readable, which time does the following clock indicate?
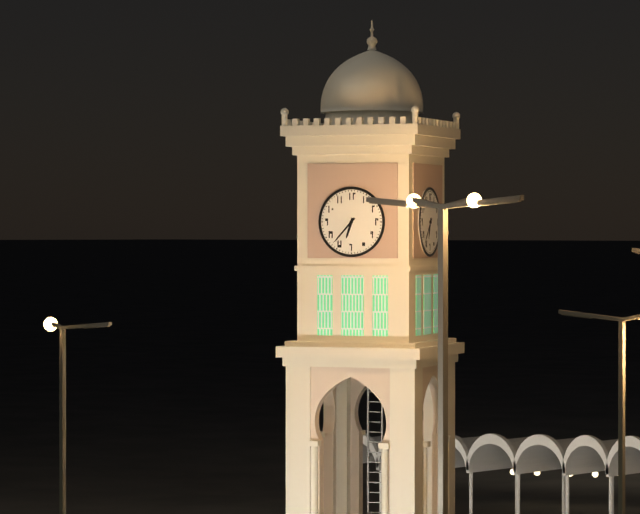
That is h=6 m=37
